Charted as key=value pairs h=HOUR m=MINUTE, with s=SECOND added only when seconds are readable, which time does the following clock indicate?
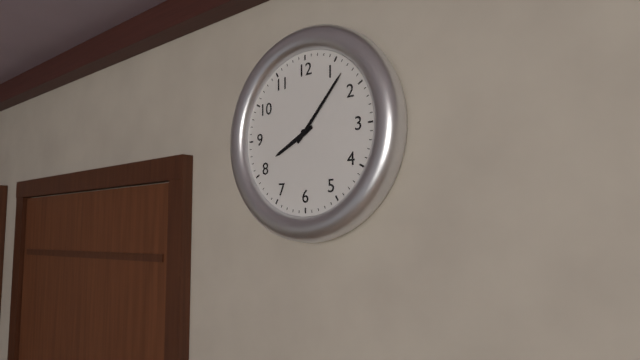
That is h=8 m=7
